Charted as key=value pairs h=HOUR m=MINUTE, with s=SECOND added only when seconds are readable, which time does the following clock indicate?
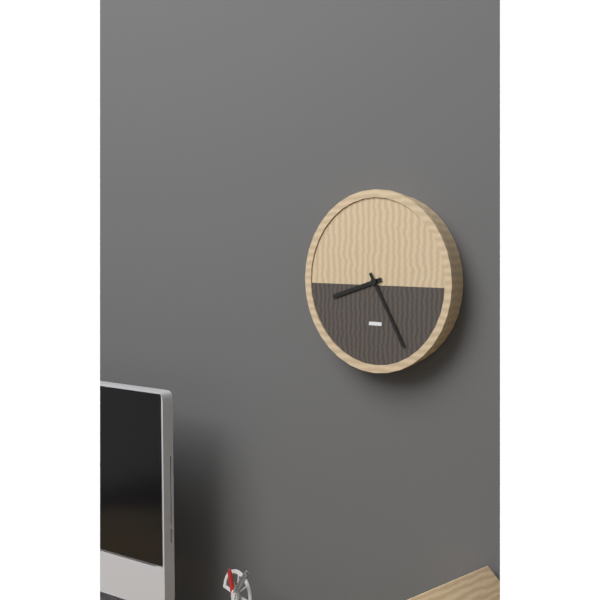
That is h=8 m=25
